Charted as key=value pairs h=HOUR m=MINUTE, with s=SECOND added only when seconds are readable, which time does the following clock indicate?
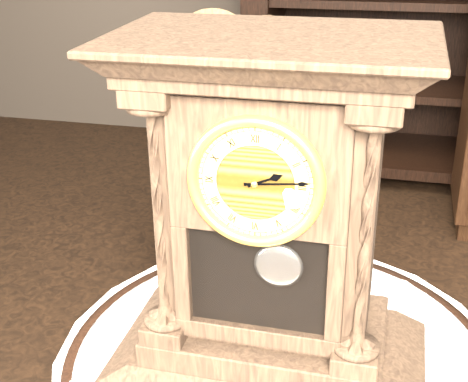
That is h=2 m=14
